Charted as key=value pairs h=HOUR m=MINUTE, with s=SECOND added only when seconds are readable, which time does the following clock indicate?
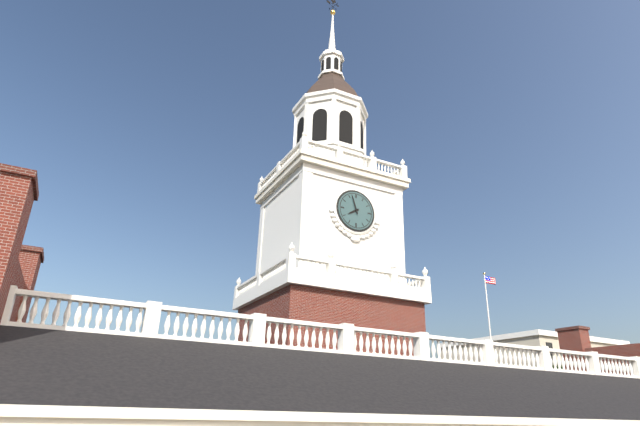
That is h=7 m=57
